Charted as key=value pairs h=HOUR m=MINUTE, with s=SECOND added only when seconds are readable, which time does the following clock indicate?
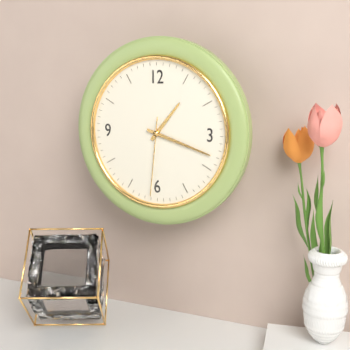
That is h=1 m=18 s=31
